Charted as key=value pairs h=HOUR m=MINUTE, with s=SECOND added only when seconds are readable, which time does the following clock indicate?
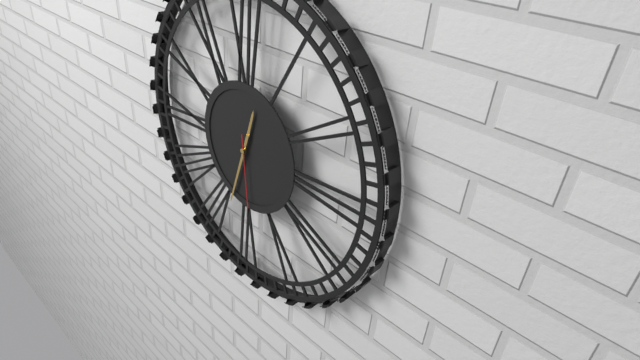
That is h=12 m=33 s=29
